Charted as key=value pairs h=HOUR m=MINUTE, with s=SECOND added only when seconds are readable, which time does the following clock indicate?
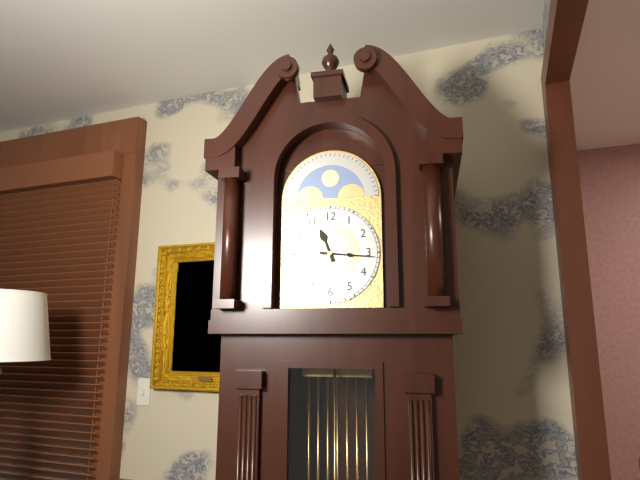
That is h=11 m=16
